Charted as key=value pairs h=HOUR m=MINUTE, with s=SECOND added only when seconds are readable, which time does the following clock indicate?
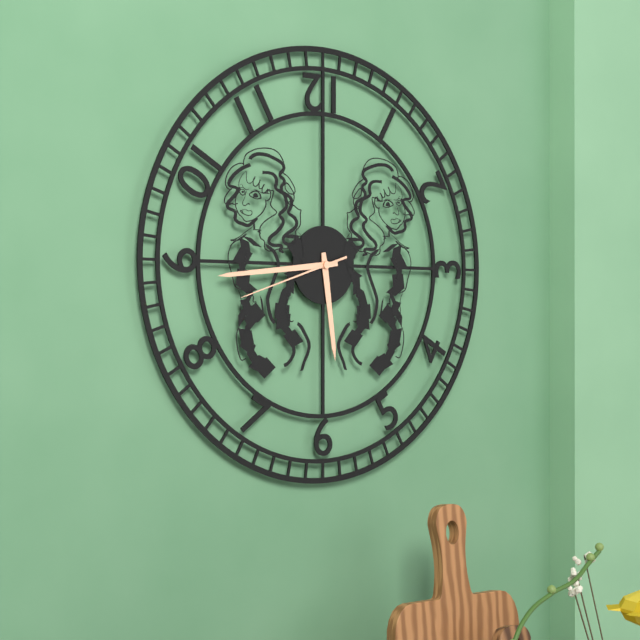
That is h=5 m=44 s=42
